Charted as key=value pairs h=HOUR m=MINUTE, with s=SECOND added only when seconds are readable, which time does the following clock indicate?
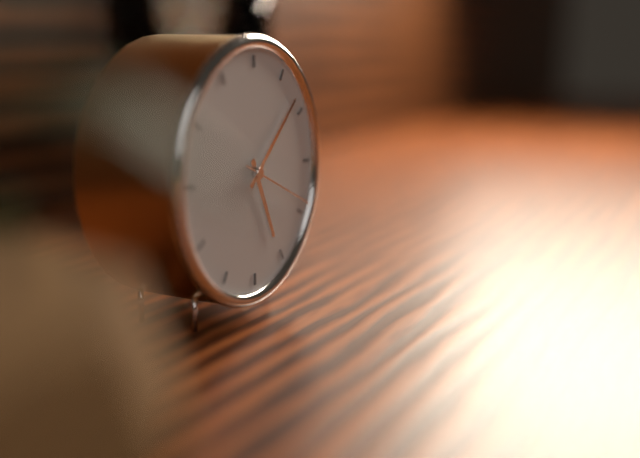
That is h=5 m=8 s=19
